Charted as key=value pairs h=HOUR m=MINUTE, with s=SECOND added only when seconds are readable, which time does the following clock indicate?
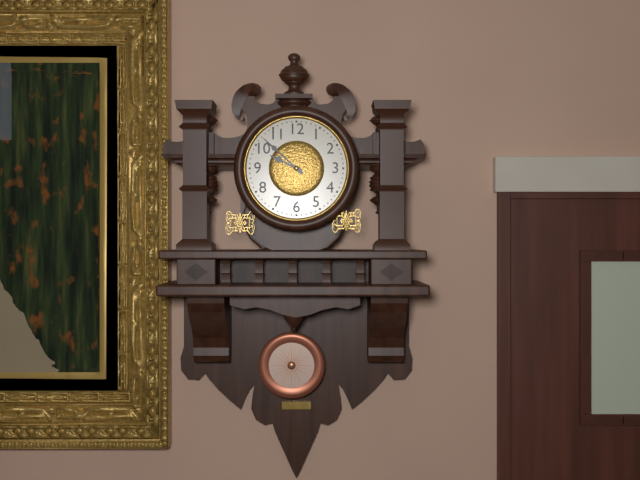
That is h=9 m=52
